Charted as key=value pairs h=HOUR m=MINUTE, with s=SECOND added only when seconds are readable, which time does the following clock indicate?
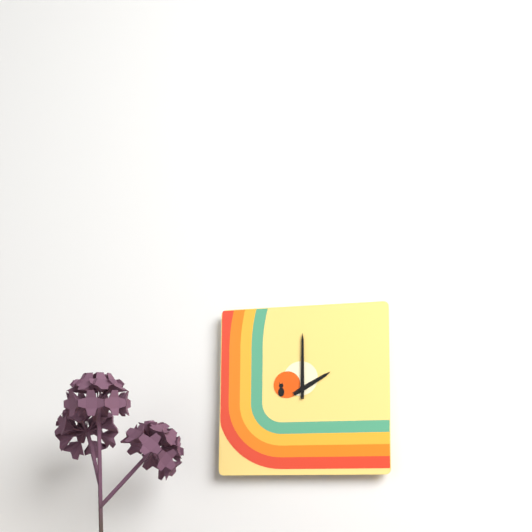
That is h=2 m=0
